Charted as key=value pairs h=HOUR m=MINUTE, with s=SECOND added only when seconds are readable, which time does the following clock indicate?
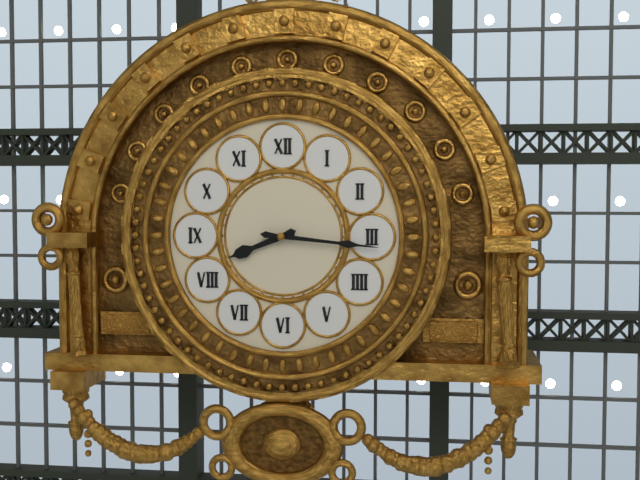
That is h=8 m=16
